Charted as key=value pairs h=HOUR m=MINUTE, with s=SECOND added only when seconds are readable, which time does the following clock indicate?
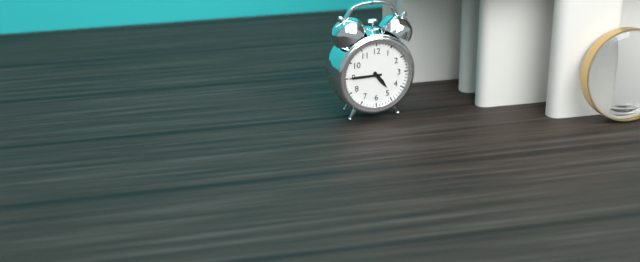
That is h=4 m=45
